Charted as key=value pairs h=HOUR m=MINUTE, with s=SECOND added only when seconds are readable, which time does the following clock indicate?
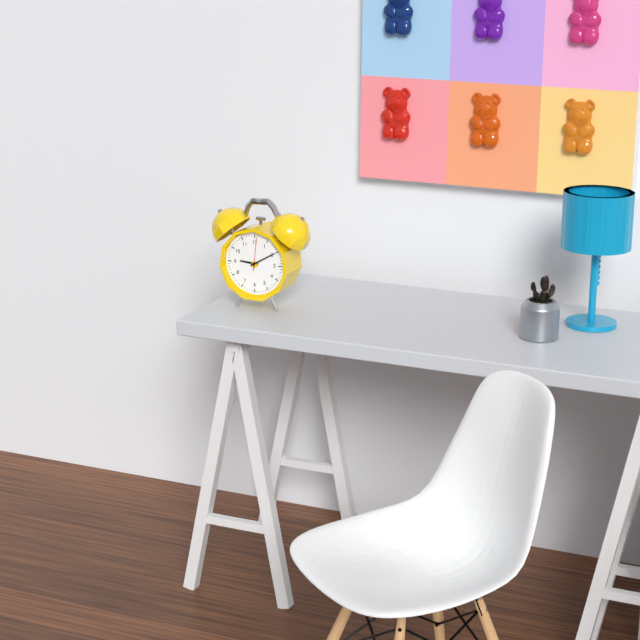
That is h=9 m=10
